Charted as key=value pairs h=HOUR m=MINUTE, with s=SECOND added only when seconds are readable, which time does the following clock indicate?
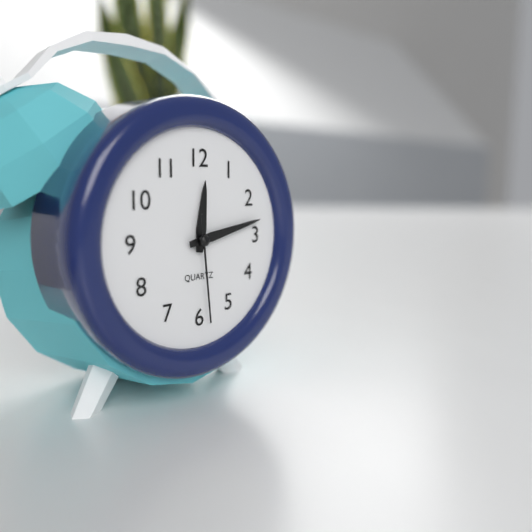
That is h=12 m=13 s=29
